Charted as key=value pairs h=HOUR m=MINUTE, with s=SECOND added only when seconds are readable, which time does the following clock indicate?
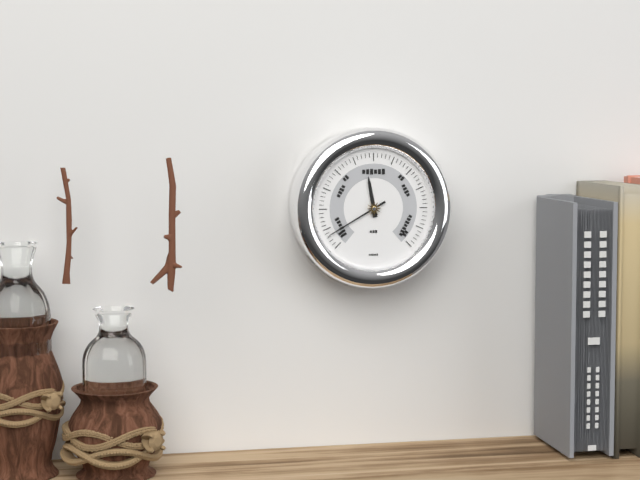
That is h=11 m=40
